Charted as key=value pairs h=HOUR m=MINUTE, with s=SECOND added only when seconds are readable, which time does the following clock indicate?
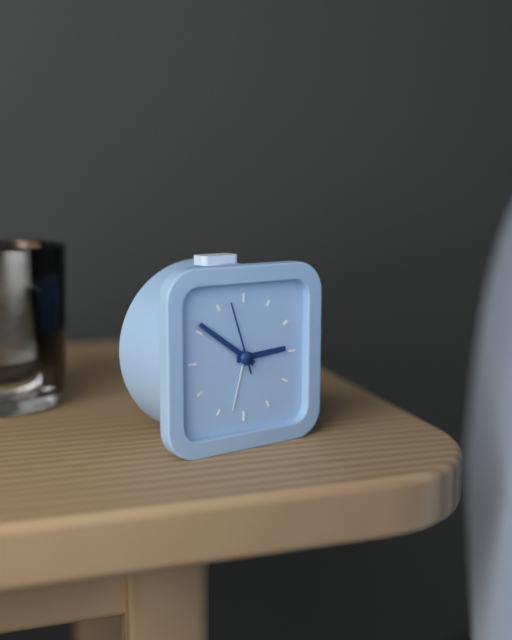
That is h=2 m=51 s=57
